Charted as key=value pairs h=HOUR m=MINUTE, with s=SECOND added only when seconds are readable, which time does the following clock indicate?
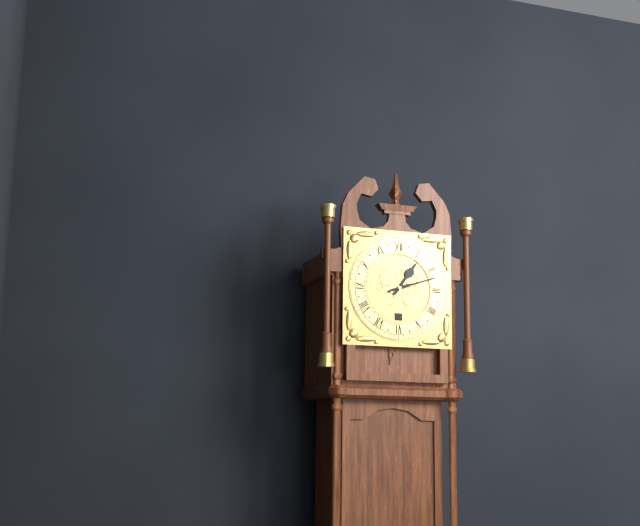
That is h=1 m=12
